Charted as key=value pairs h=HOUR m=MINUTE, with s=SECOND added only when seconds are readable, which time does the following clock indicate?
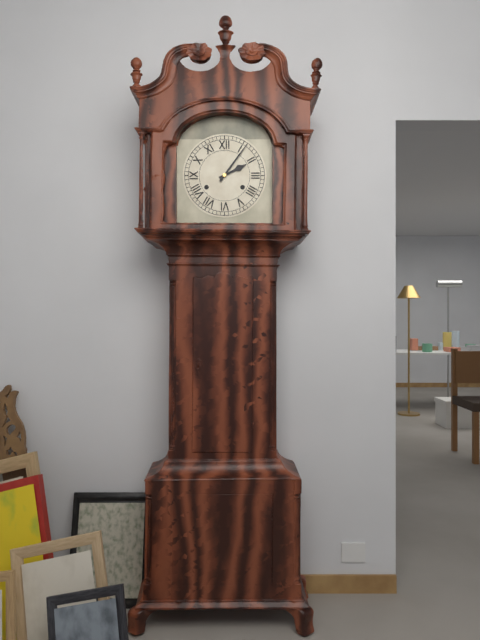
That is h=2 m=6
